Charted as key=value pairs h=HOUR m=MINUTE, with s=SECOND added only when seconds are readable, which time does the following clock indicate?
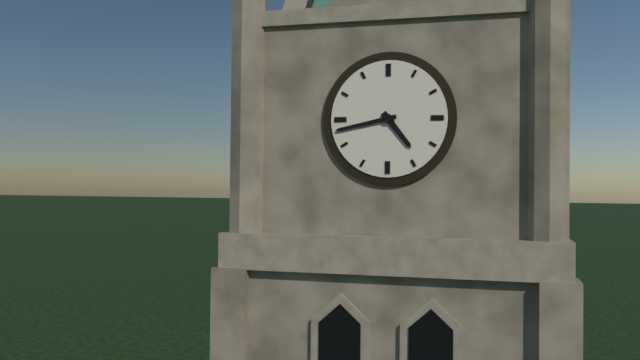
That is h=4 m=43
